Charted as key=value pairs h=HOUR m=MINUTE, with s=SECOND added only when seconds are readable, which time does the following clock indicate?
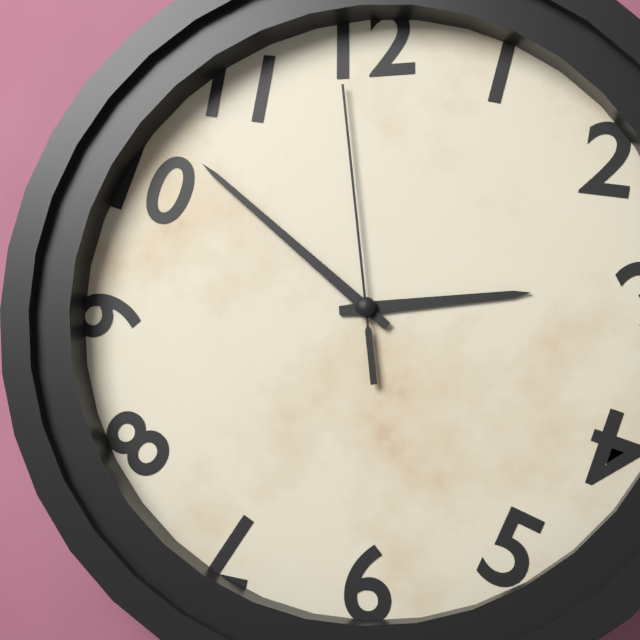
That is h=2 m=52 s=59
